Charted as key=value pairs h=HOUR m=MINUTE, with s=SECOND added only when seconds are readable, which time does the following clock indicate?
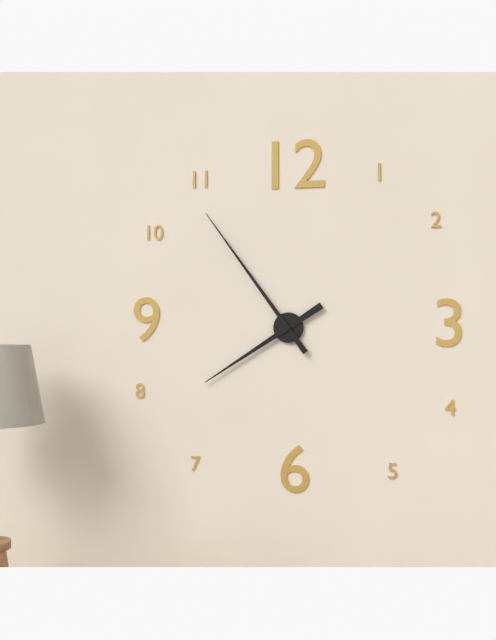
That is h=7 m=54
